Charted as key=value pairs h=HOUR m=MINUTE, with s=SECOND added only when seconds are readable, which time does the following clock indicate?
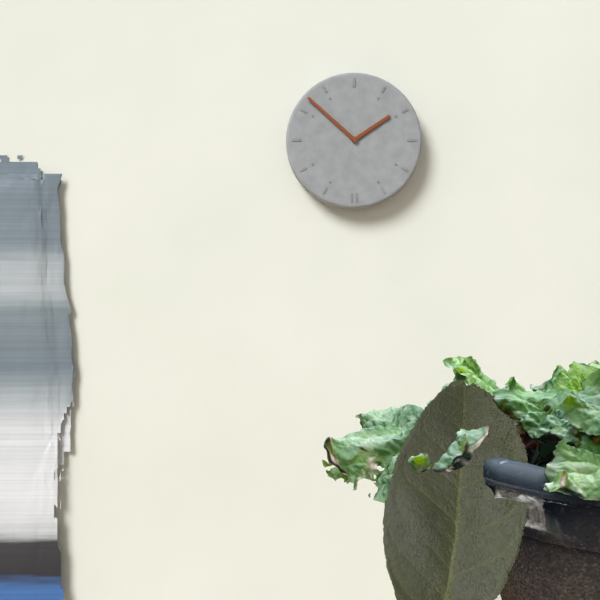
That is h=1 m=52
